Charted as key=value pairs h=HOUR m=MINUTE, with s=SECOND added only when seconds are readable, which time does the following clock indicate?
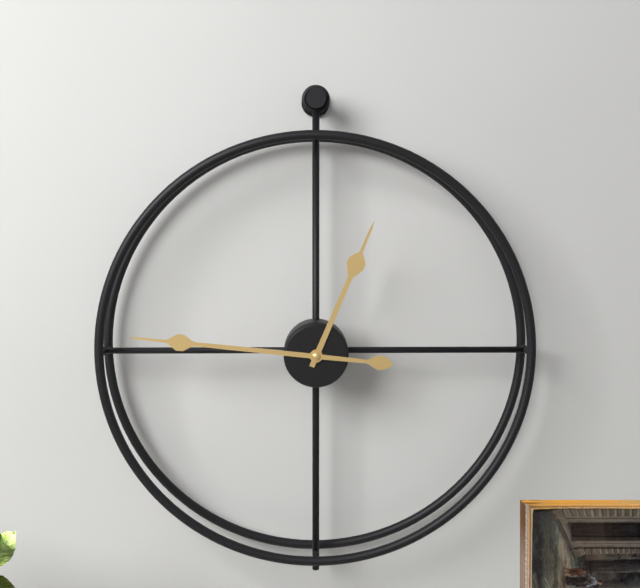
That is h=12 m=46
